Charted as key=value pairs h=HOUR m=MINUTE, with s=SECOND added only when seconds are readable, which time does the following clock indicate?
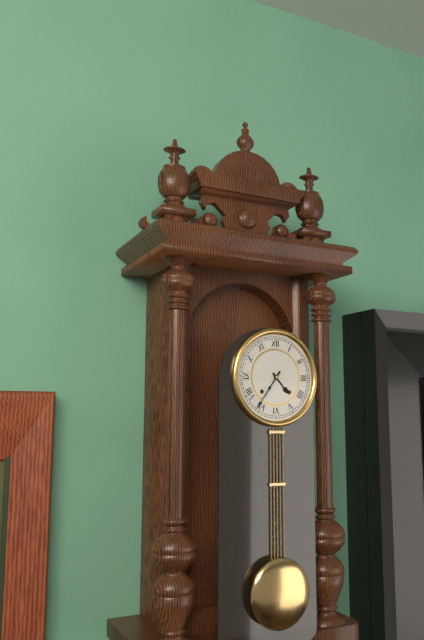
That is h=4 m=36
